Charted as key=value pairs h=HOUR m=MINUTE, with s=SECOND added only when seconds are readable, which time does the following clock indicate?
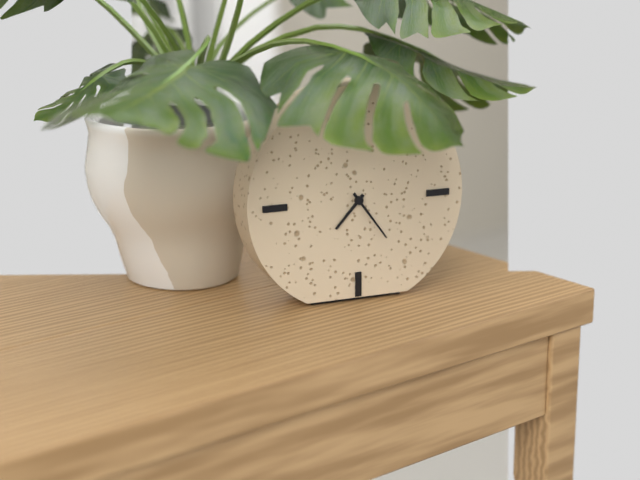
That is h=7 m=24
